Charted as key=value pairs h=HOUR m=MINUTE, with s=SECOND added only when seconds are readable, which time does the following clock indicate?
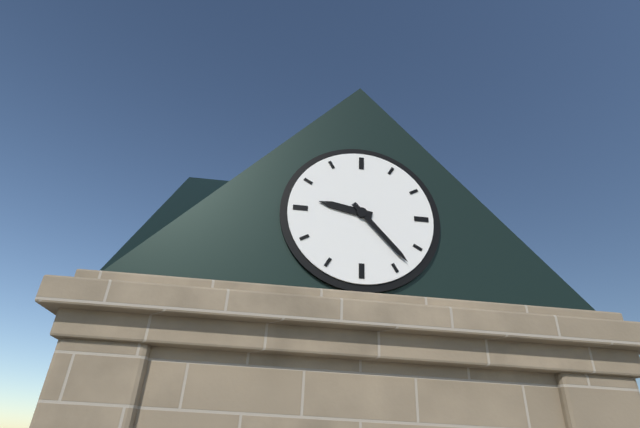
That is h=9 m=23
